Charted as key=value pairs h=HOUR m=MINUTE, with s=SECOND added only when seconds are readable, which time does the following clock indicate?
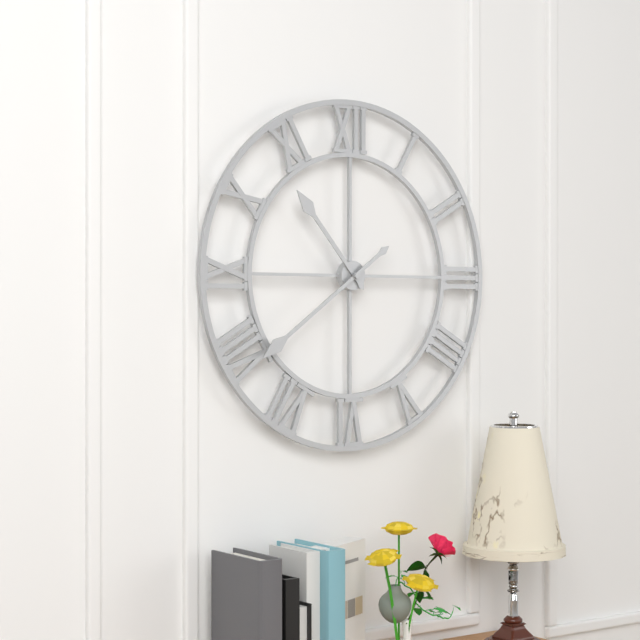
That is h=10 m=39
